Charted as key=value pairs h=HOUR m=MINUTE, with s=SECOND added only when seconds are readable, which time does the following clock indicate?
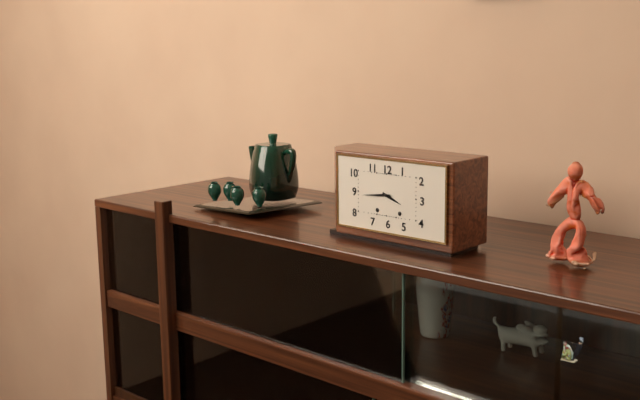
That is h=3 m=44
